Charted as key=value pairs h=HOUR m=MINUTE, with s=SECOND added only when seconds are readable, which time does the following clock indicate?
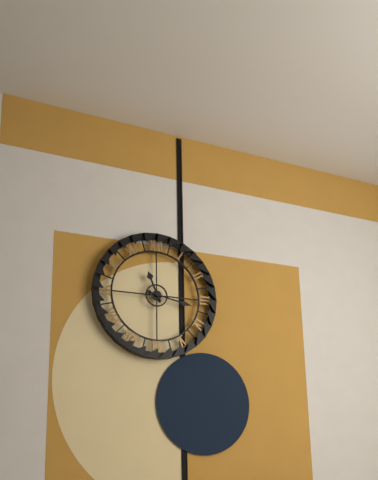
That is h=11 m=17
